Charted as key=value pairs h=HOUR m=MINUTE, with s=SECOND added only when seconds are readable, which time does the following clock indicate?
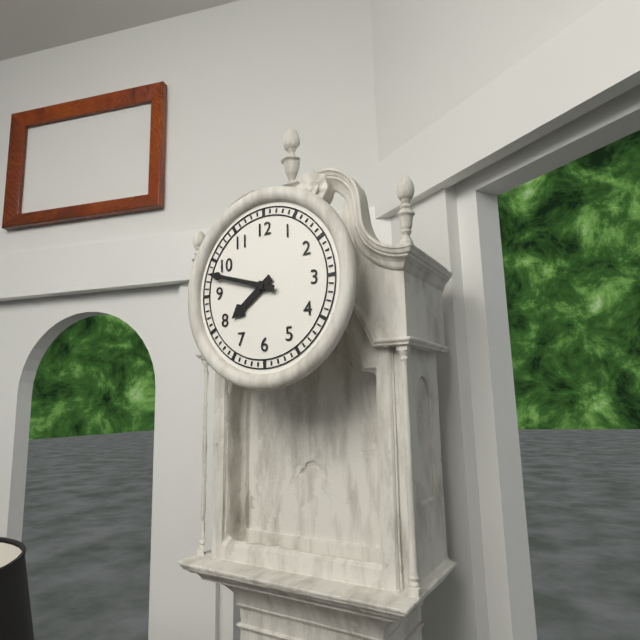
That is h=7 m=48
